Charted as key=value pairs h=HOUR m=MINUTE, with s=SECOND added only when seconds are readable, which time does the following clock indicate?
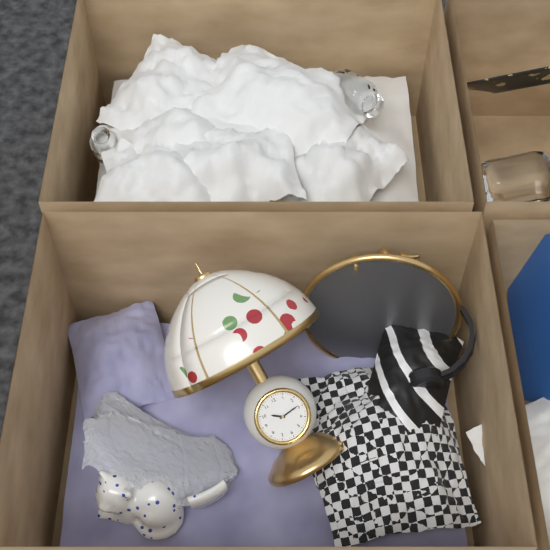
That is h=10 m=14
